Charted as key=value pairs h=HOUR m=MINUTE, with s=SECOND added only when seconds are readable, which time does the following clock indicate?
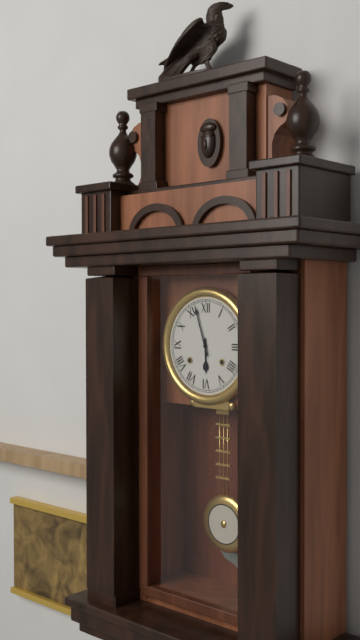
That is h=5 m=57
